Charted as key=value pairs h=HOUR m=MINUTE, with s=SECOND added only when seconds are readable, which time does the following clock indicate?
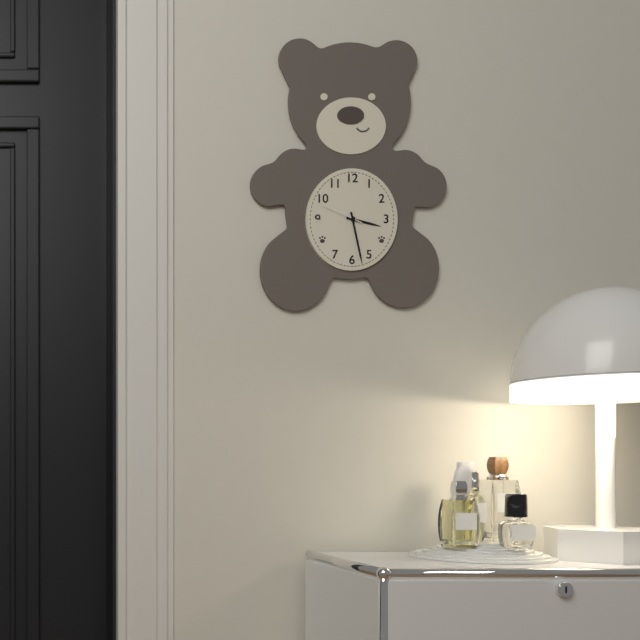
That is h=3 m=28
